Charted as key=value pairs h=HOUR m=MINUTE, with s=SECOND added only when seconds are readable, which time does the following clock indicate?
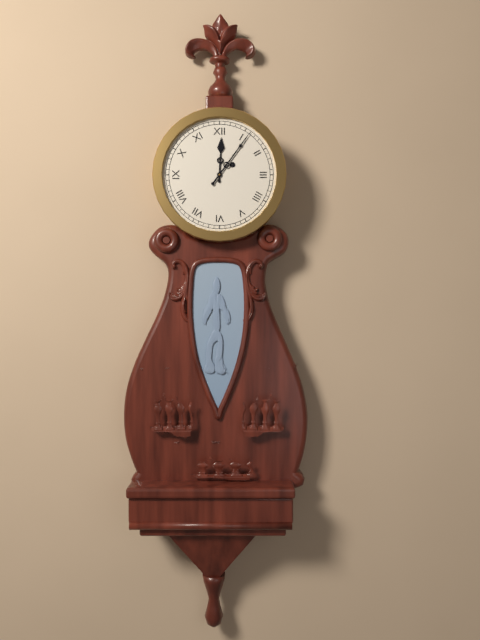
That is h=12 m=6
